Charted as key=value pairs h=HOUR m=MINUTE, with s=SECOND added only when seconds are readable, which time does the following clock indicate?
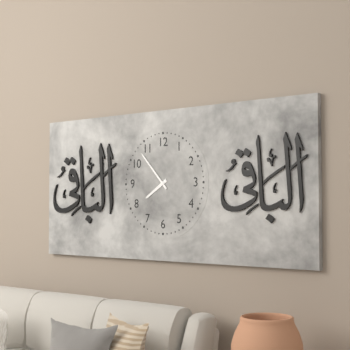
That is h=7 m=53
